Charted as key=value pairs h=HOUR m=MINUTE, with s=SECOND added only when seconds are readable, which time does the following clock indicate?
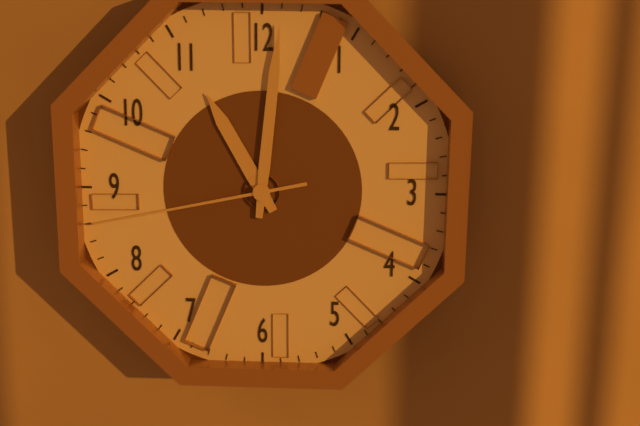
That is h=11 m=1 s=43
